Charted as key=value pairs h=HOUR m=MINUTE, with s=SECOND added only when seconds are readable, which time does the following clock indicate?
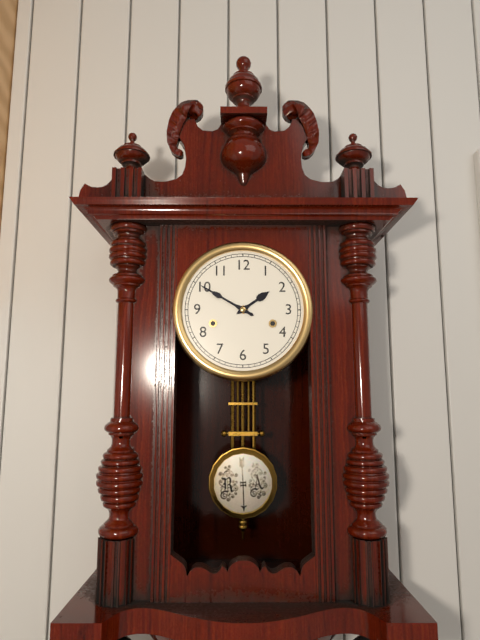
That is h=1 m=50
